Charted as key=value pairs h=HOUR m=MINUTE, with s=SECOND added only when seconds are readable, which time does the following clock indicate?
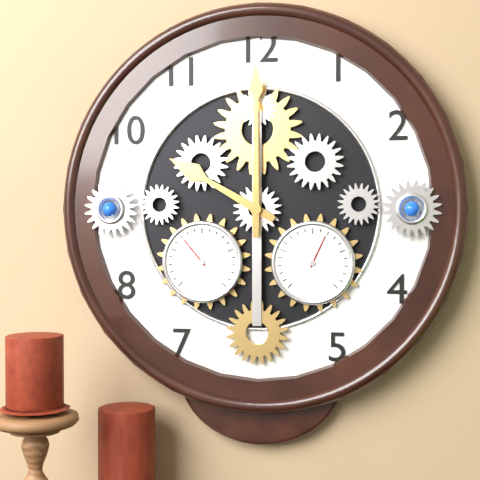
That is h=10 m=0
